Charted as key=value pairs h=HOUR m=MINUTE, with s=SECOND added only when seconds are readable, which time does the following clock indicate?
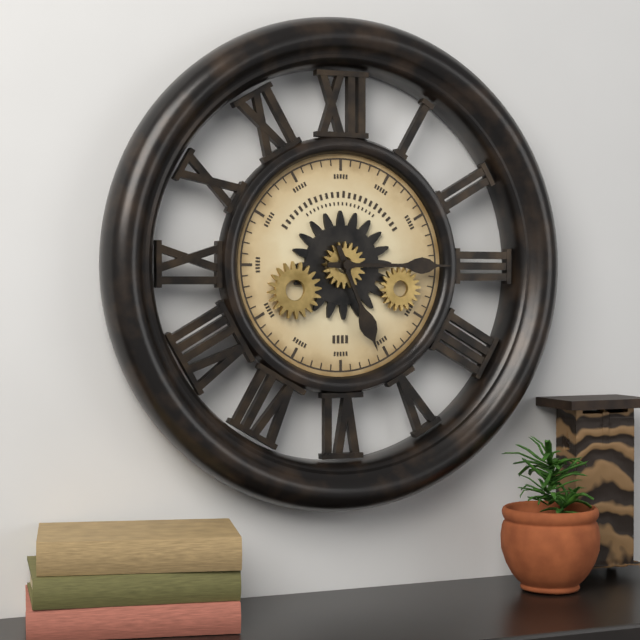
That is h=5 m=15
